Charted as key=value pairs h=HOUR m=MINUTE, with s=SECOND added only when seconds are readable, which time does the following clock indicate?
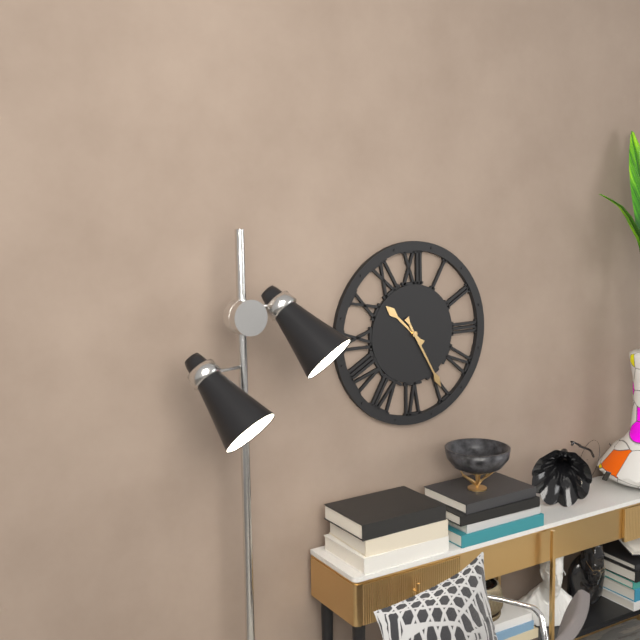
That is h=10 m=25
